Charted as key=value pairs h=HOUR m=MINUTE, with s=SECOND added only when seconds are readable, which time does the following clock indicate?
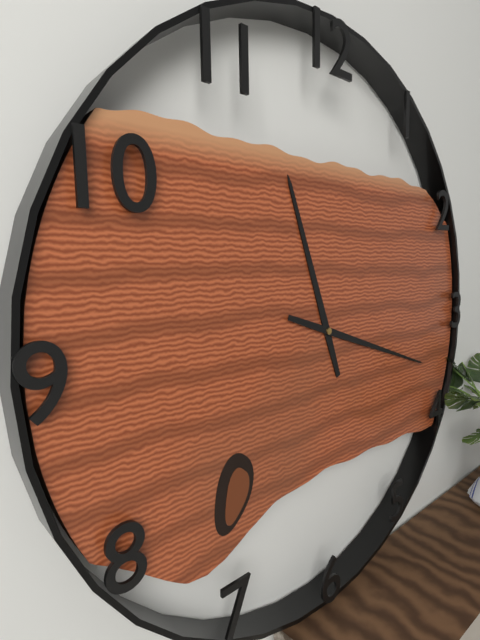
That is h=11 m=18
